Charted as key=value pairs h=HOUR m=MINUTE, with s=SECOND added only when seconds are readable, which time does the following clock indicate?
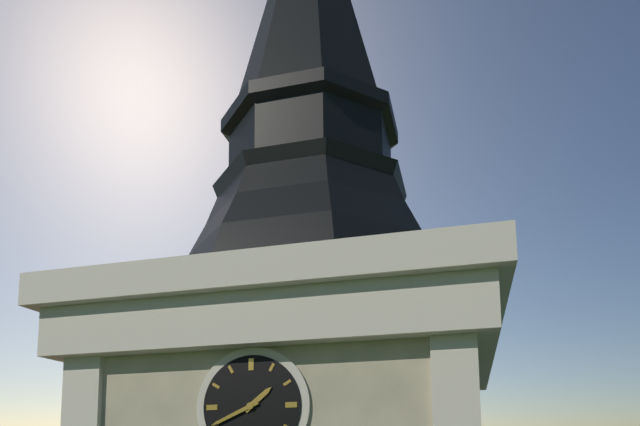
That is h=1 m=41
